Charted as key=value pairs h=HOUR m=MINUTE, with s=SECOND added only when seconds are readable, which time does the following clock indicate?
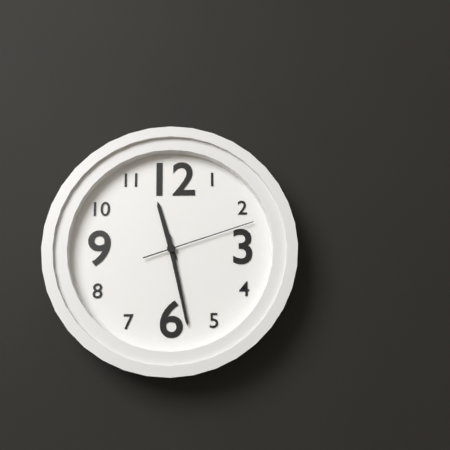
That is h=11 m=28 s=12
